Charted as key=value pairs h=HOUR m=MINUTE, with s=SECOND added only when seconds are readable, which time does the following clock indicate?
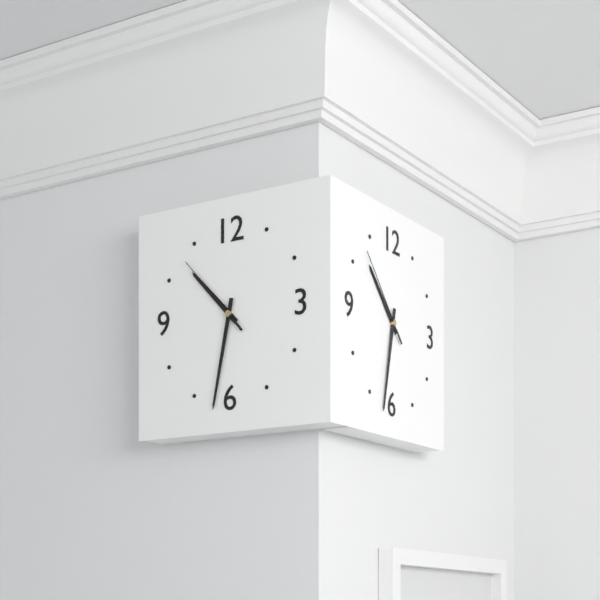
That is h=10 m=32 s=53
